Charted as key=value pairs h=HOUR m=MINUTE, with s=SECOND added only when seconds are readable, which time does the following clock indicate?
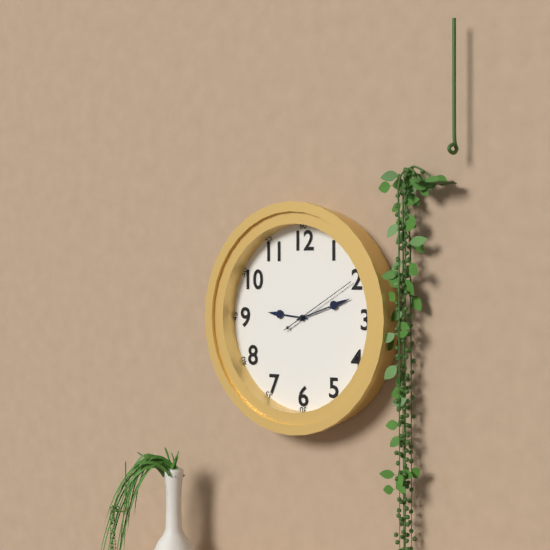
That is h=9 m=12 s=10
